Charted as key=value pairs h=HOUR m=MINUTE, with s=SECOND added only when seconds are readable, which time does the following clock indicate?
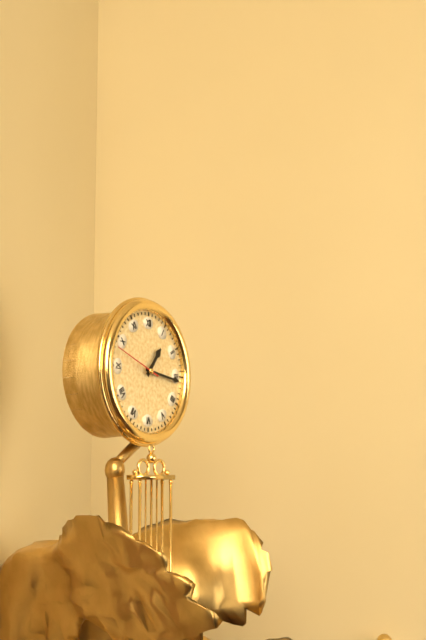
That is h=1 m=16 s=48
